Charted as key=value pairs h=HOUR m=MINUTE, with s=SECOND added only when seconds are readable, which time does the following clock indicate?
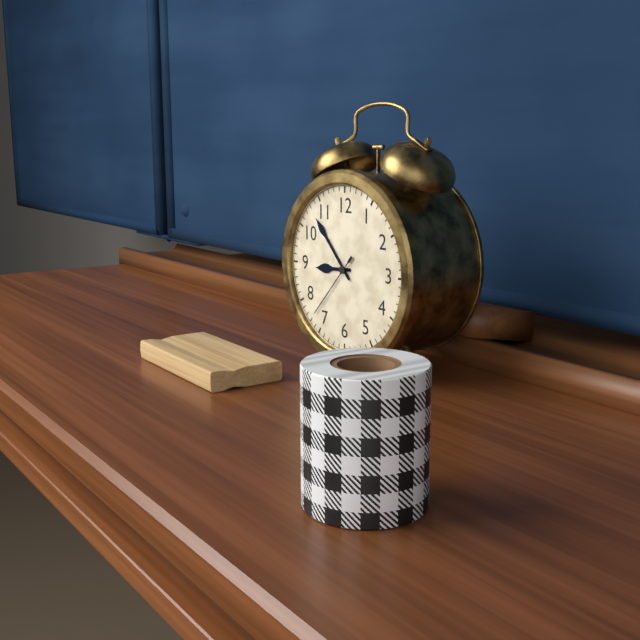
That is h=8 m=53 s=37
